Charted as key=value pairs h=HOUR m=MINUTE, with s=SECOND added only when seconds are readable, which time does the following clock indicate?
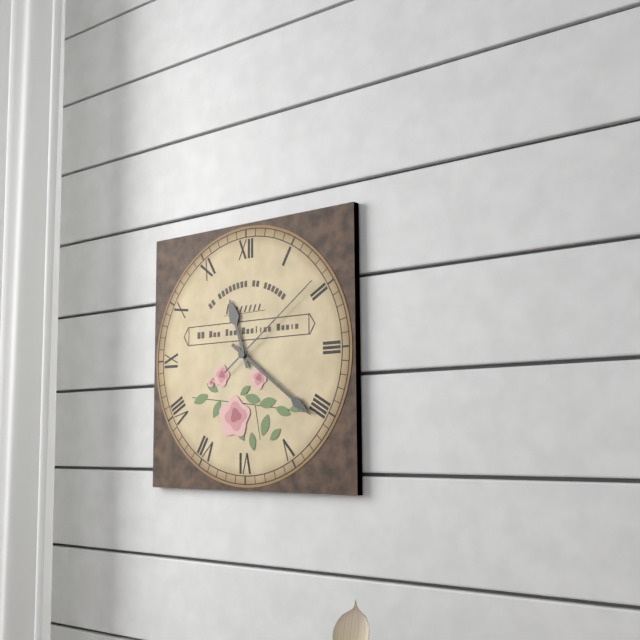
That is h=11 m=21 s=9
